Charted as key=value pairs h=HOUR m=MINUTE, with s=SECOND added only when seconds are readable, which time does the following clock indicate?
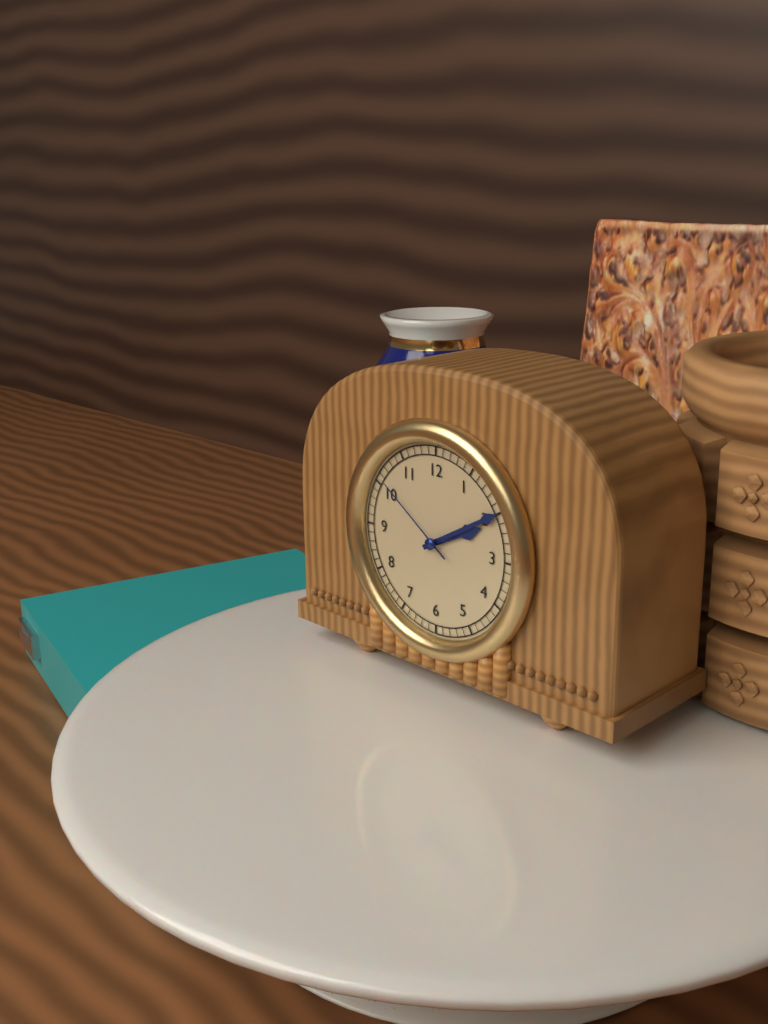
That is h=2 m=10 s=51
